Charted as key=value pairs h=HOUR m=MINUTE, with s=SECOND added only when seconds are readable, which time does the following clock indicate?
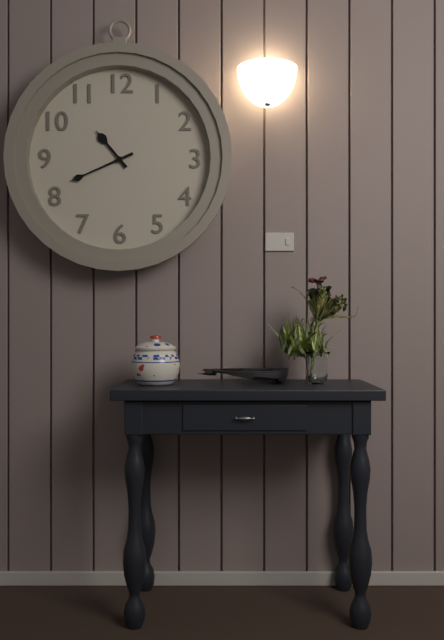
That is h=10 m=41
